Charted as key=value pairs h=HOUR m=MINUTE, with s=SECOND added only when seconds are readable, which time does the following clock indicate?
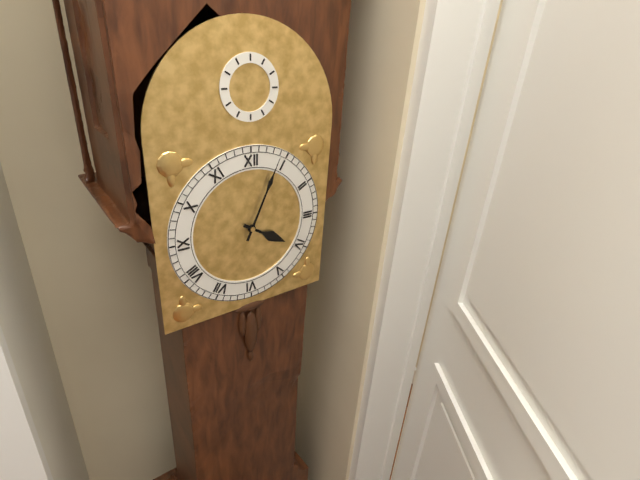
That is h=4 m=4
